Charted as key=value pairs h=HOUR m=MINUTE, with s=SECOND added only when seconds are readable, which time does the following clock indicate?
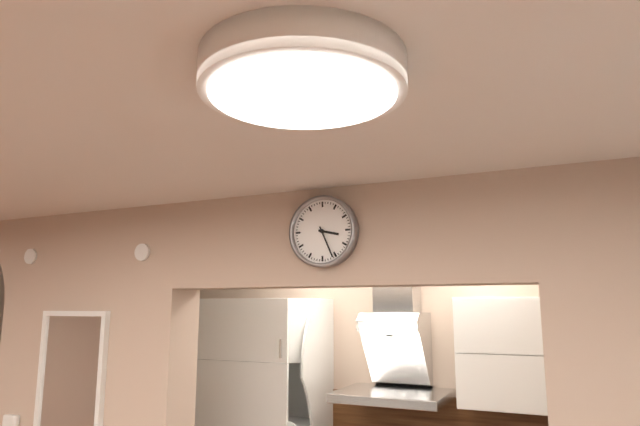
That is h=3 m=26
